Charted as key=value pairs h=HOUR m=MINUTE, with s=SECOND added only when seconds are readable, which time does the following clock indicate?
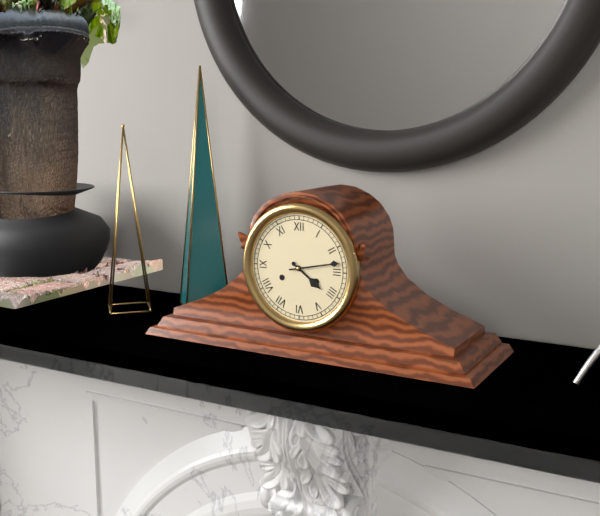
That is h=4 m=13
